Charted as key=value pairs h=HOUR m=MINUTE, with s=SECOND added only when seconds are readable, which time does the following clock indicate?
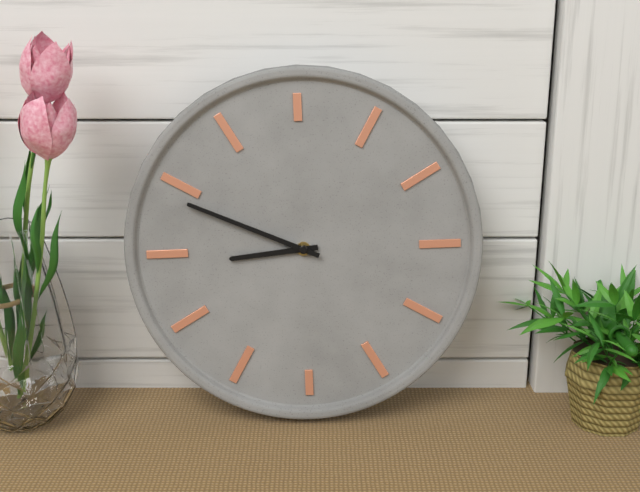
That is h=8 m=49
